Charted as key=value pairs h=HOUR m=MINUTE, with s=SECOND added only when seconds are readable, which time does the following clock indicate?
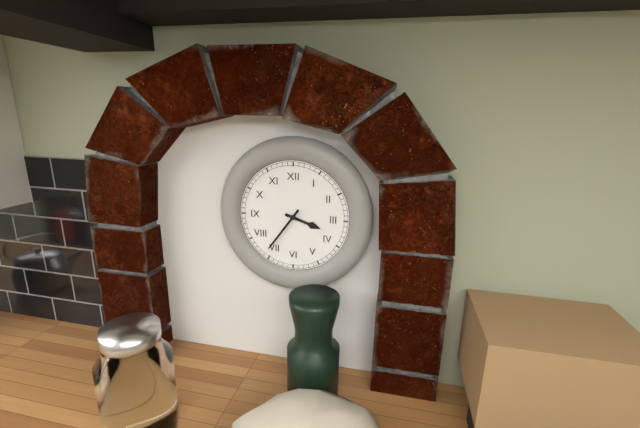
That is h=3 m=36
